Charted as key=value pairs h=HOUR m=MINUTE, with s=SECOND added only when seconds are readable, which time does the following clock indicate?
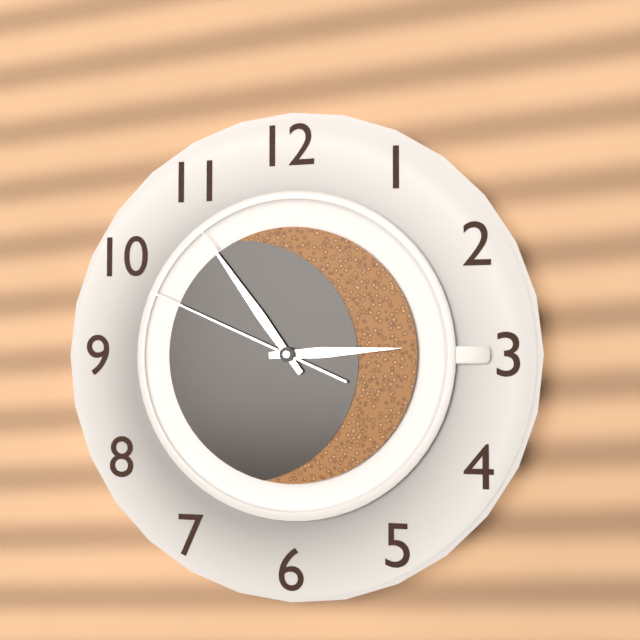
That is h=2 m=54 s=49
